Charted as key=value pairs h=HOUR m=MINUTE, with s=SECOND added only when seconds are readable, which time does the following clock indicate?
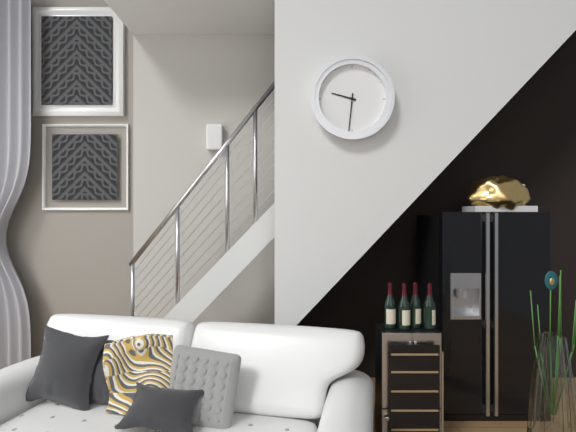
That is h=9 m=31
